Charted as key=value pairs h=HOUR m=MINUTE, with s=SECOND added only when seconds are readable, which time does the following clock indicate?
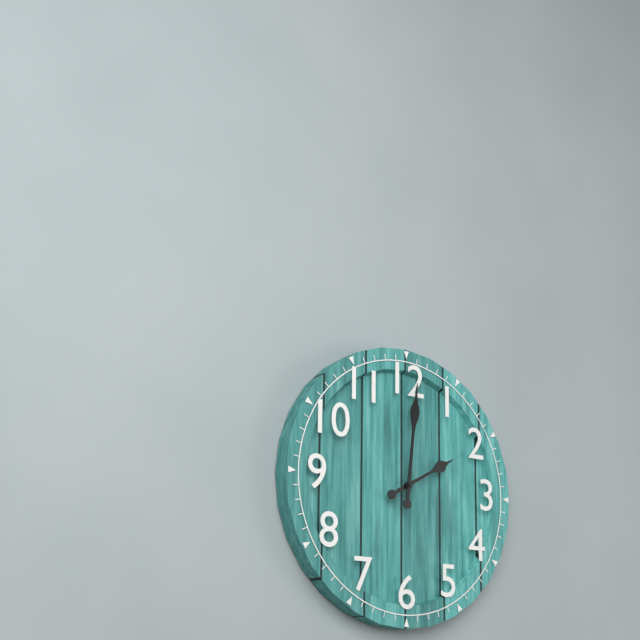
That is h=2 m=1
